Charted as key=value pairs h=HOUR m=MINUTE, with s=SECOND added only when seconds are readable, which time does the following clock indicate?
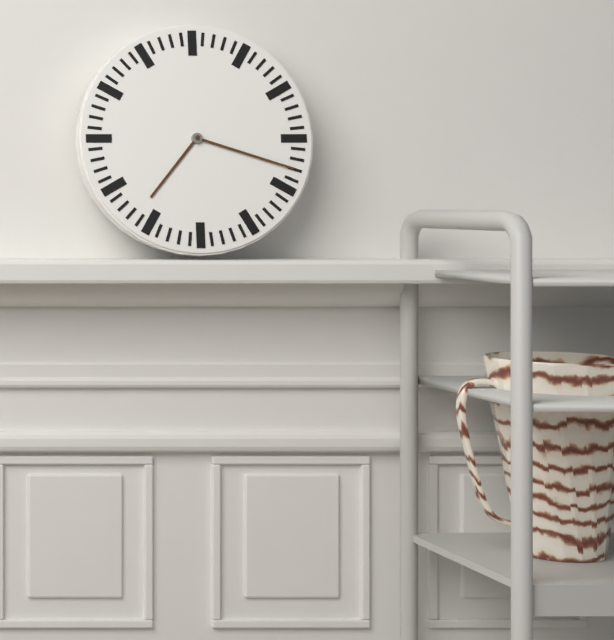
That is h=7 m=18
